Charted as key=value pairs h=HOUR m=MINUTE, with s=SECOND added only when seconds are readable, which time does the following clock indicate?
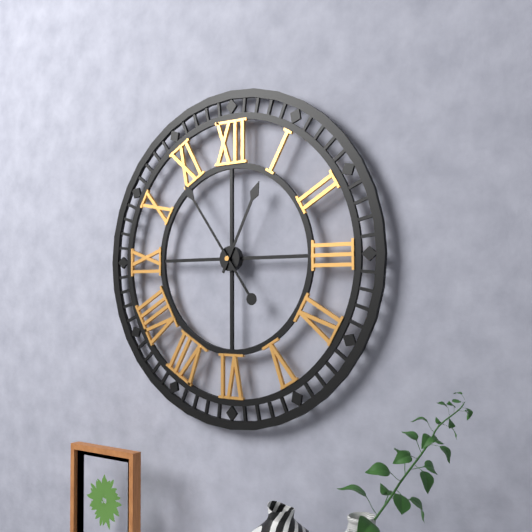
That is h=12 m=54
